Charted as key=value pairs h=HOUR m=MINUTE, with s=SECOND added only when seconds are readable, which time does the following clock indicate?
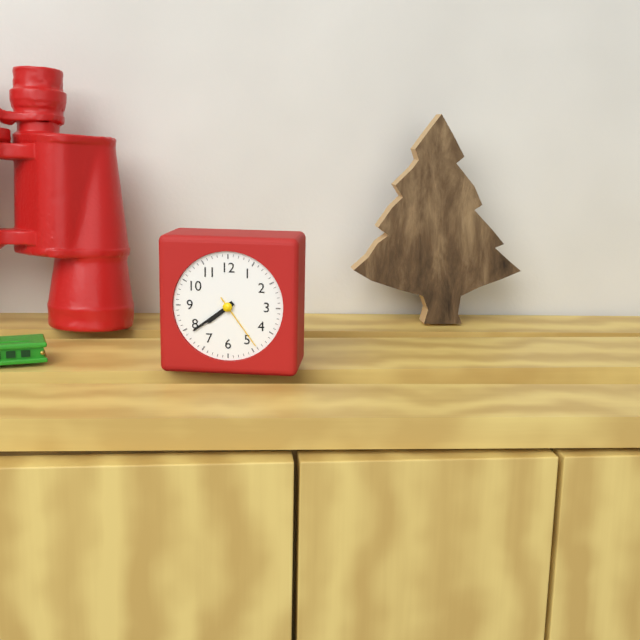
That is h=7 m=39 s=24
